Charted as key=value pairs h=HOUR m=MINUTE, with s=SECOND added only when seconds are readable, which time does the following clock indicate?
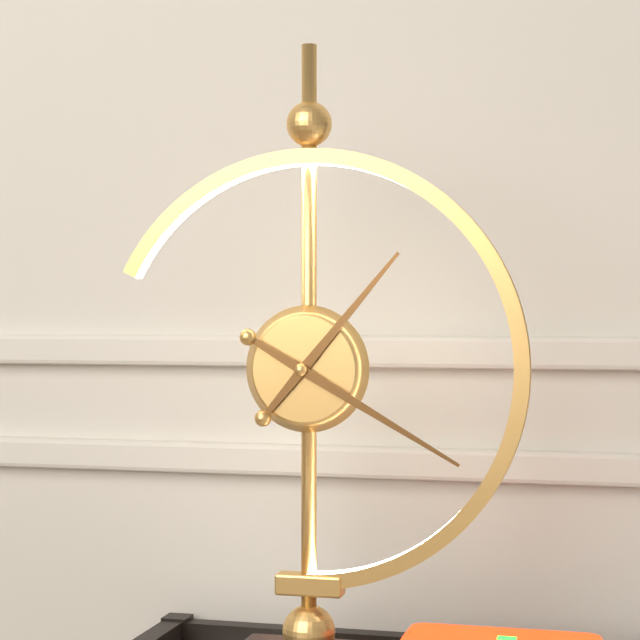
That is h=1 m=20
